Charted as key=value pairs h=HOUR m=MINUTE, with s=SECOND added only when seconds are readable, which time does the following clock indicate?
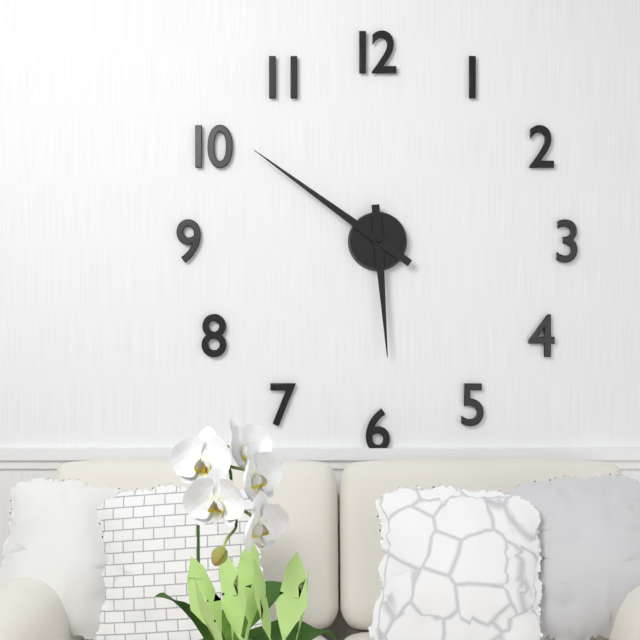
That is h=5 m=51
